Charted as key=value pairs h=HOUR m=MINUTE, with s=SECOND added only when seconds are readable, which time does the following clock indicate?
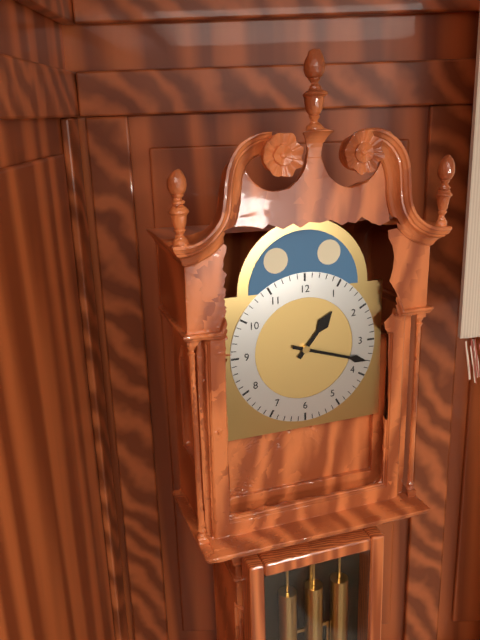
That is h=1 m=18
